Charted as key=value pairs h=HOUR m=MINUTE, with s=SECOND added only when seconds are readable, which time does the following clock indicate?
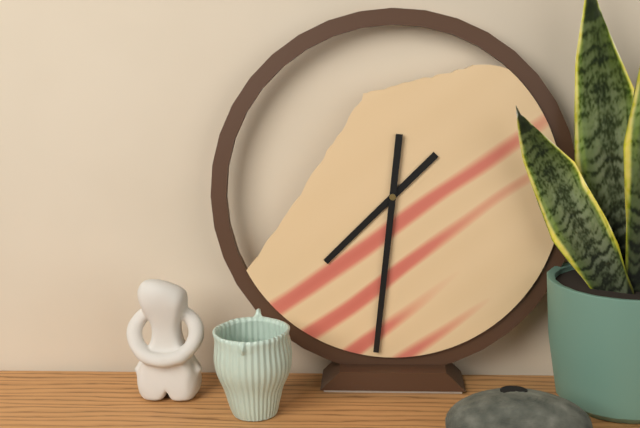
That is h=7 m=31
